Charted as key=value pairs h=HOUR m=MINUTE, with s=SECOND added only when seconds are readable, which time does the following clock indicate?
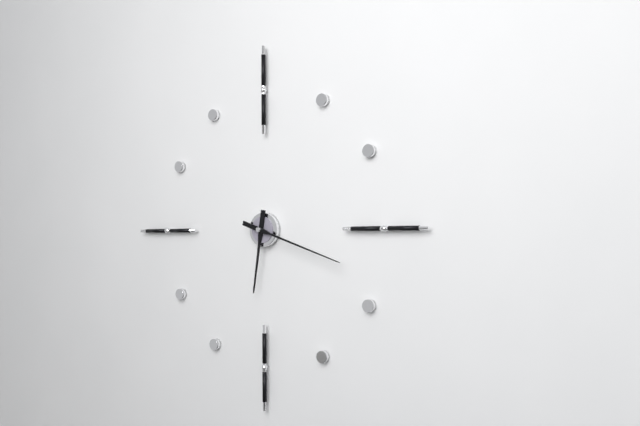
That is h=6 m=18
